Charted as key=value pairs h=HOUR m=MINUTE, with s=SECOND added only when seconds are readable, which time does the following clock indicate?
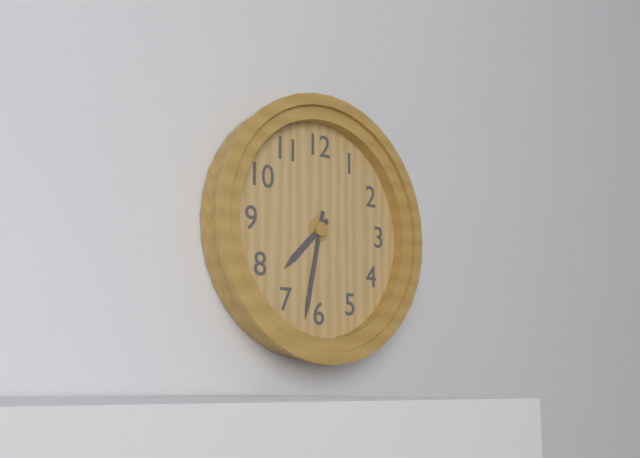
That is h=7 m=32
